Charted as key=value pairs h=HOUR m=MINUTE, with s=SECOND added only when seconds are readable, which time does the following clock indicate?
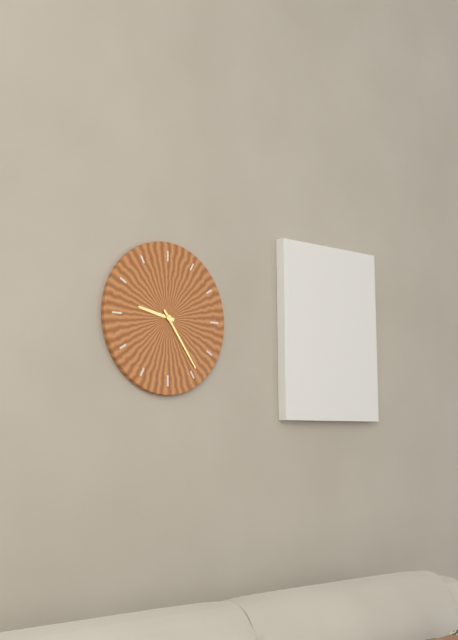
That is h=9 m=24
